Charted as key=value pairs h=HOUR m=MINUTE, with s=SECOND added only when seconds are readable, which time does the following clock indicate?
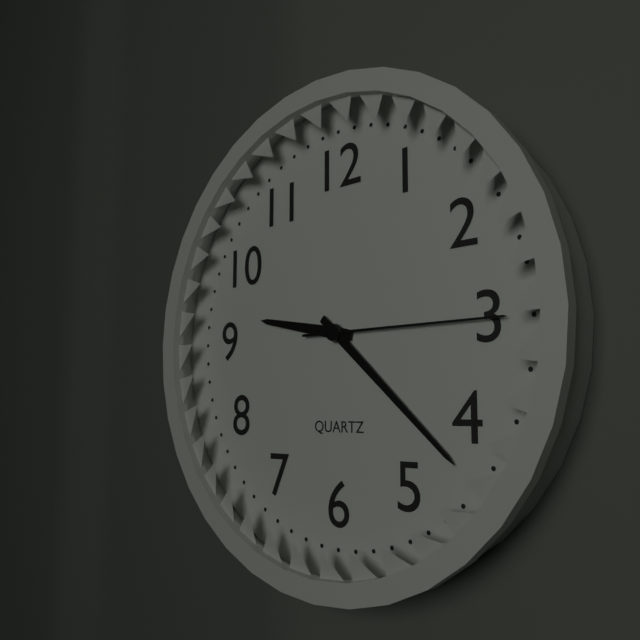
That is h=9 m=22 s=15
